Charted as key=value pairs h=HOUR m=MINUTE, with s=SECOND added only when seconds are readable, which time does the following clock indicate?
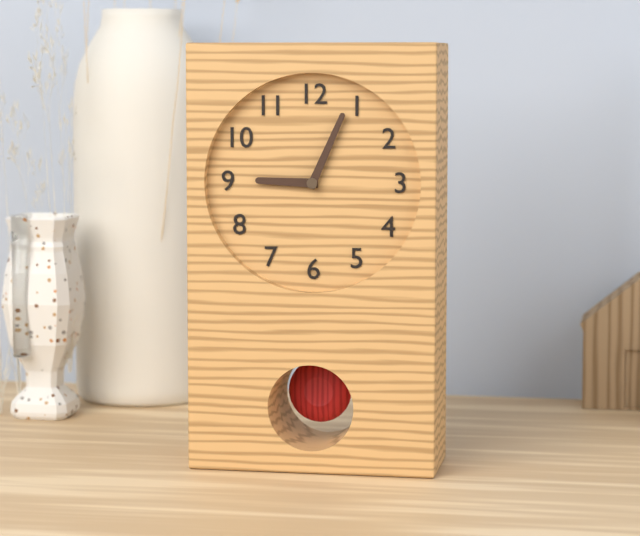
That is h=9 m=4
